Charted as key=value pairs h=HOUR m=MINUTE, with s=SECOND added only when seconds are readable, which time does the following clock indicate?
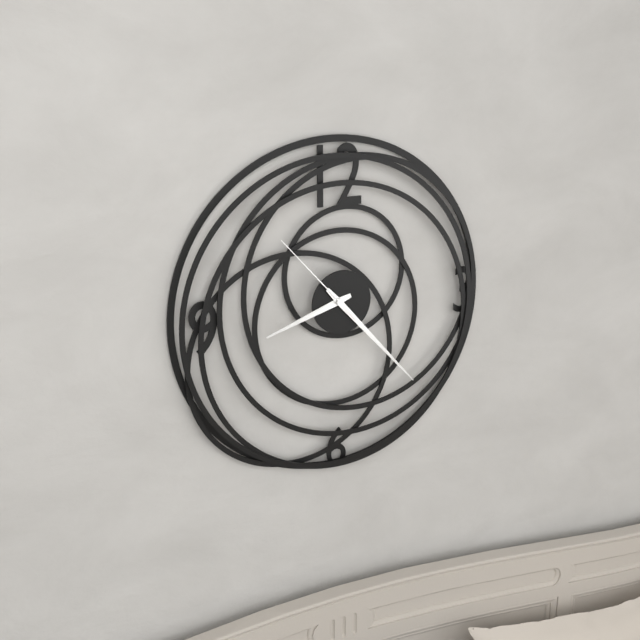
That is h=8 m=23 s=53
